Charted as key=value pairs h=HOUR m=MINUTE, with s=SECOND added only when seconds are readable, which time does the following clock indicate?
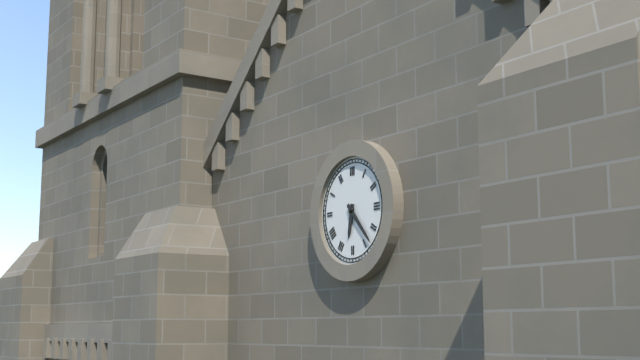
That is h=6 m=23
